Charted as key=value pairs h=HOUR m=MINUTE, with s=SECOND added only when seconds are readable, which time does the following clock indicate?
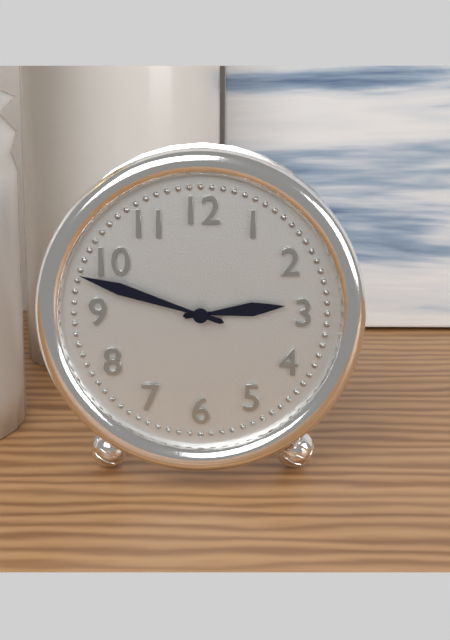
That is h=2 m=48
